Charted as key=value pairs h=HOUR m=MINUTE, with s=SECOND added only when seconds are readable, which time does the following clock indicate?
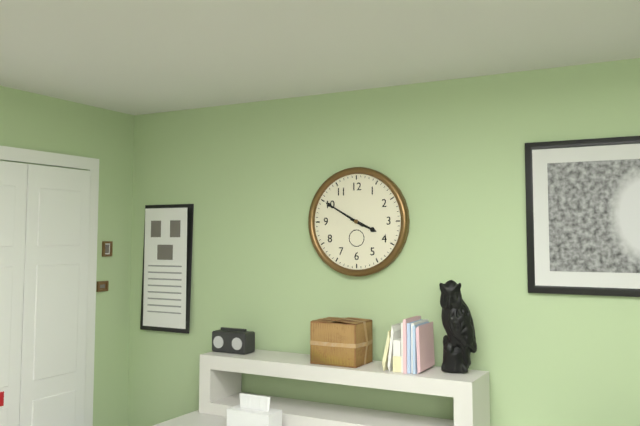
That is h=3 m=50
